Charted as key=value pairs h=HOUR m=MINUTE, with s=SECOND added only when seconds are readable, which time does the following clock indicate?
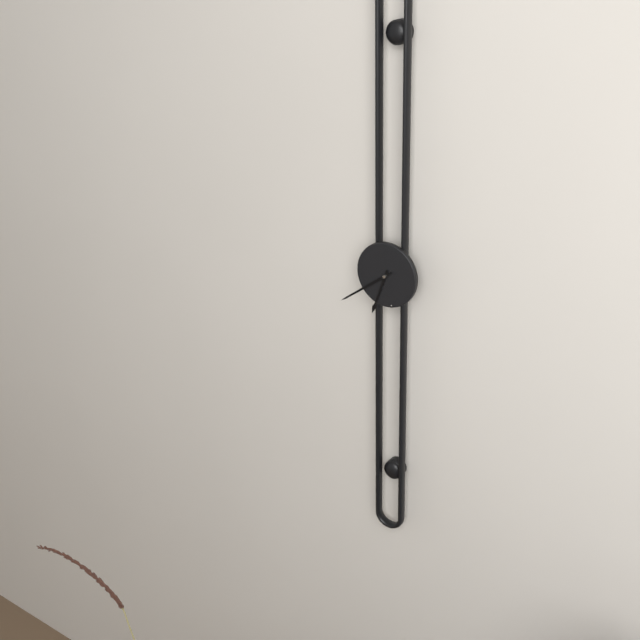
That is h=6 m=39
